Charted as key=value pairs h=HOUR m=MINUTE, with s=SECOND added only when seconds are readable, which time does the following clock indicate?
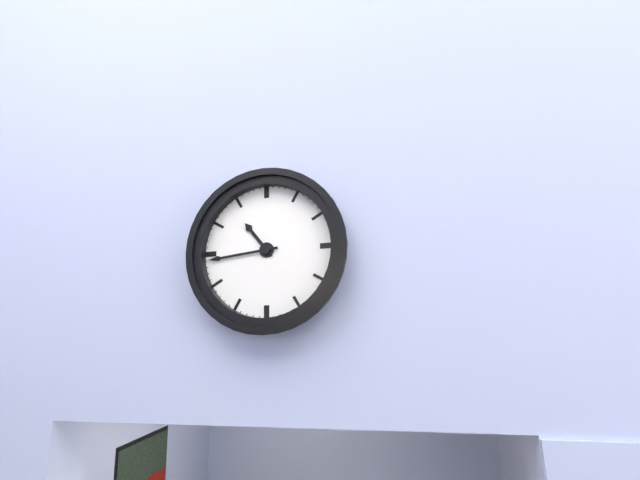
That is h=10 m=44
